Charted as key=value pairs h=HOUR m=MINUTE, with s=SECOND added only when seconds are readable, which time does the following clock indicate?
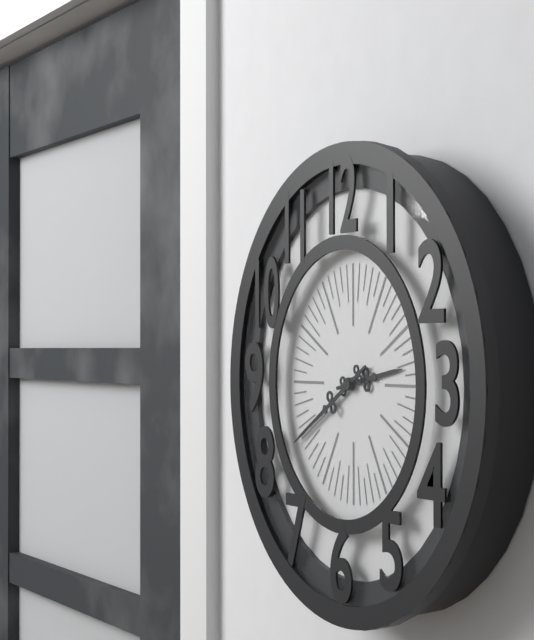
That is h=2 m=40
